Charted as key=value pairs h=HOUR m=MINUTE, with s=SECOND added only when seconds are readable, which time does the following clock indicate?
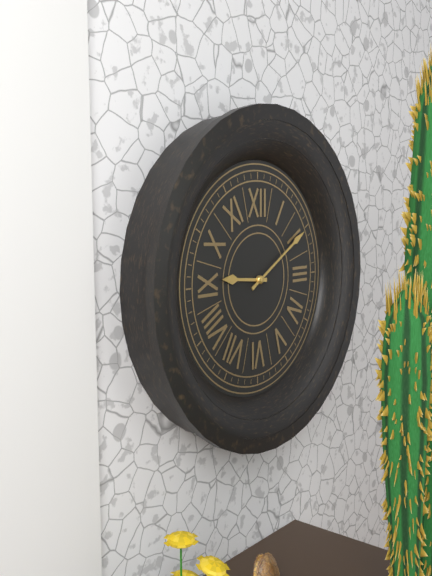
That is h=9 m=10
